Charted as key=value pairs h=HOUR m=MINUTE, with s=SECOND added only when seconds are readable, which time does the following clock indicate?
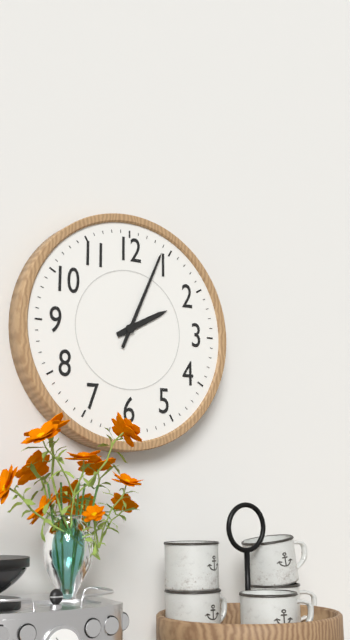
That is h=2 m=4
